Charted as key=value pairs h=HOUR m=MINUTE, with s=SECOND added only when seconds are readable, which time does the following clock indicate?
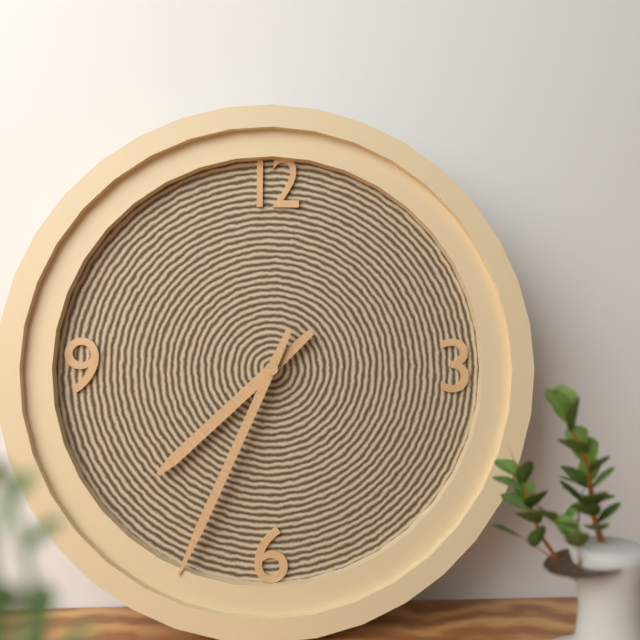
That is h=7 m=34
